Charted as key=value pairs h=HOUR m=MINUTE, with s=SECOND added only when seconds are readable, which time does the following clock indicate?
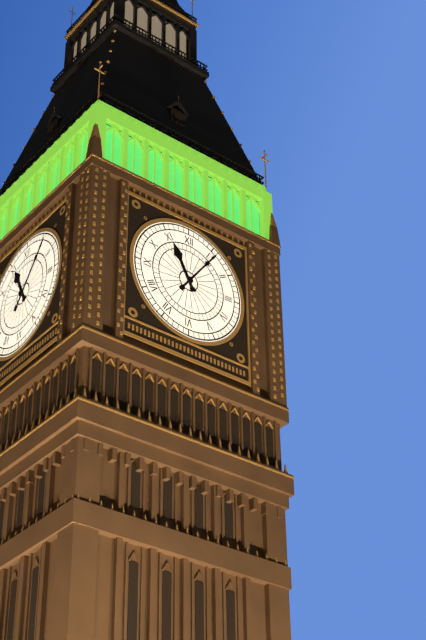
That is h=11 m=6
